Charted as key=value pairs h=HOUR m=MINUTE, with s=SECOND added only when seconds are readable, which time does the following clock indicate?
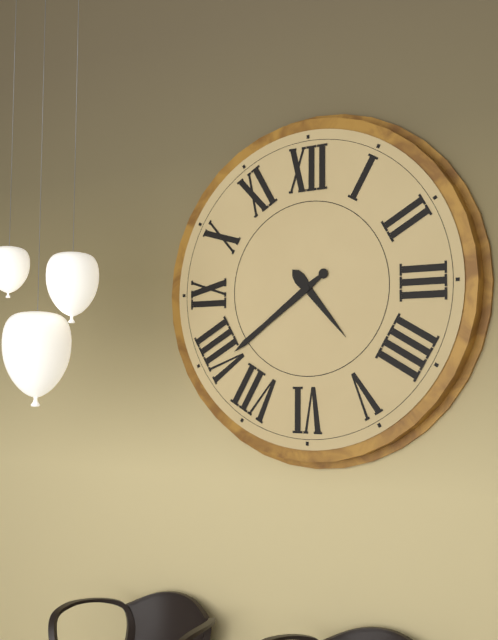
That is h=4 m=39
